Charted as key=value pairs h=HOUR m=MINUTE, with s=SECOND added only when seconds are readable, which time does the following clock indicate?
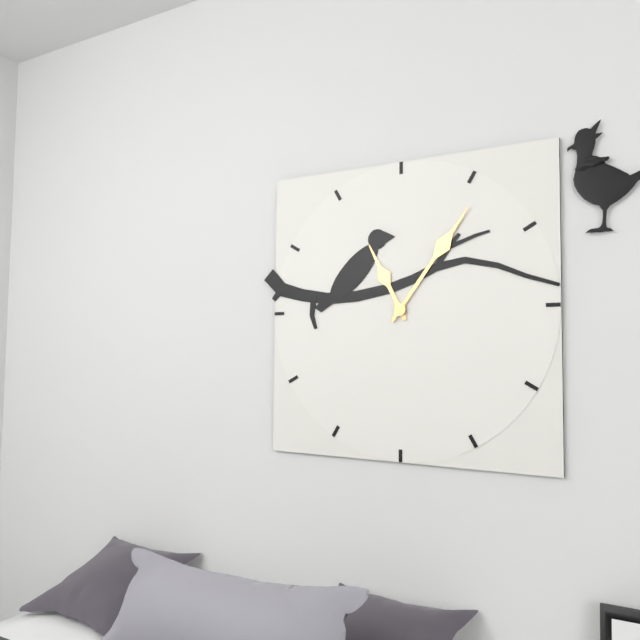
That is h=11 m=6
